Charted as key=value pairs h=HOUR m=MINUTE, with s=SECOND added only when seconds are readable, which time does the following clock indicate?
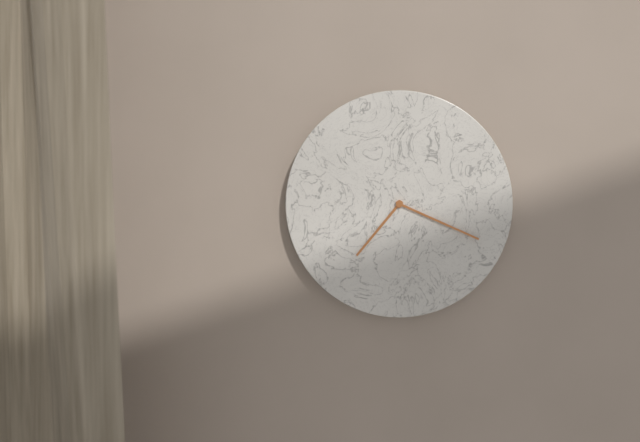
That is h=7 m=19
